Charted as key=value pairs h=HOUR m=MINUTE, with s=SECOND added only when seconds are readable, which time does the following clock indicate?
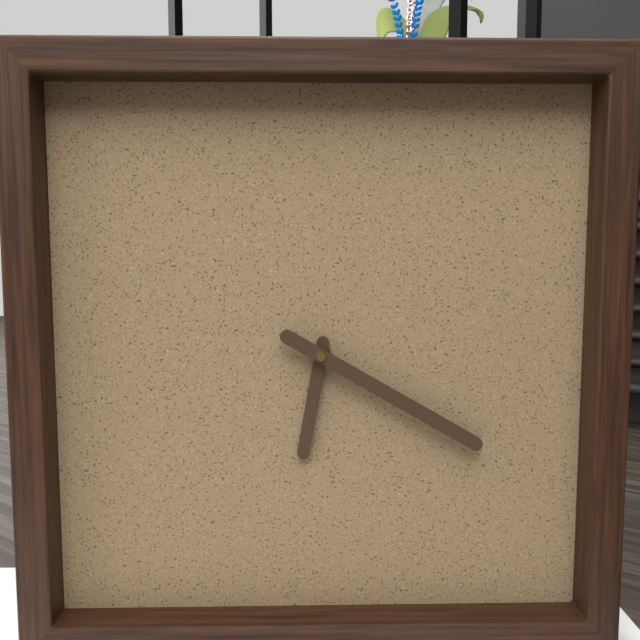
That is h=6 m=20
